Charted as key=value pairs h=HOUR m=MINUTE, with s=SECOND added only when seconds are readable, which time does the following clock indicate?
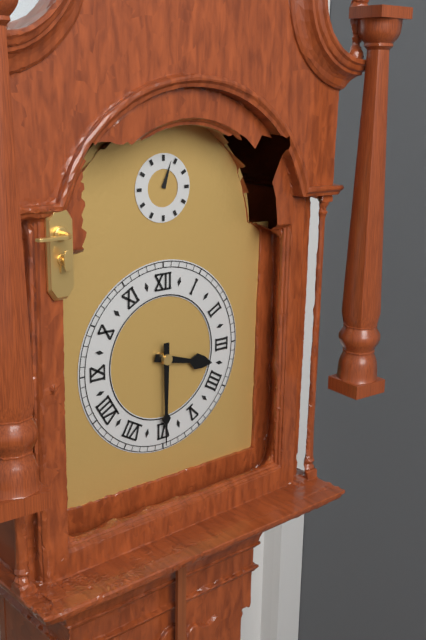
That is h=3 m=30
